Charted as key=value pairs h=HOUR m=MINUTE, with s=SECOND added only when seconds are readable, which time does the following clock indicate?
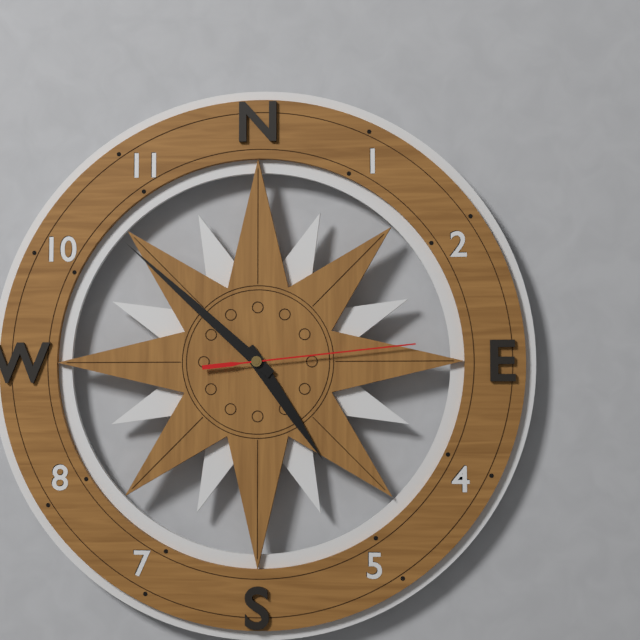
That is h=4 m=52 s=14
